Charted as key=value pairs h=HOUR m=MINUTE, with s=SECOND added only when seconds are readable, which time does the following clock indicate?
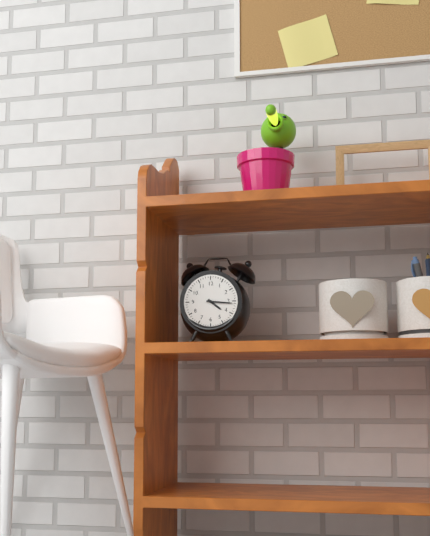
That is h=4 m=16
